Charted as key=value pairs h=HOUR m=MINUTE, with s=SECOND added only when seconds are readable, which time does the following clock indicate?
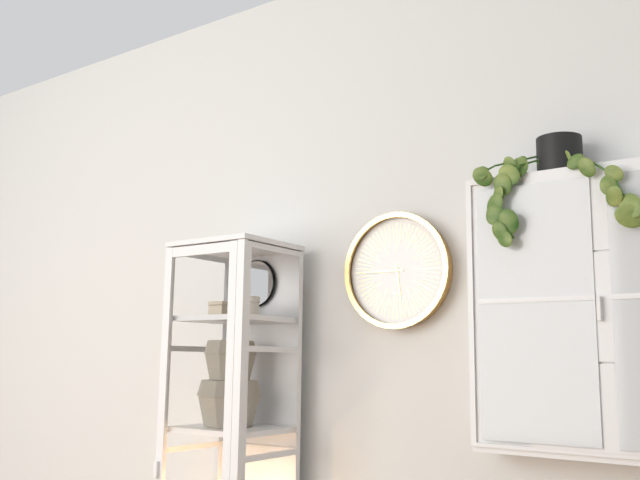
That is h=5 m=45
